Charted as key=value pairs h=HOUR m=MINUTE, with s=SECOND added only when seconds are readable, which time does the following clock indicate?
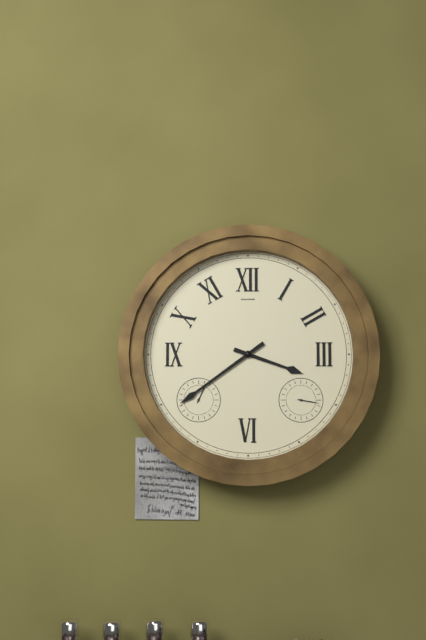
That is h=3 m=39
